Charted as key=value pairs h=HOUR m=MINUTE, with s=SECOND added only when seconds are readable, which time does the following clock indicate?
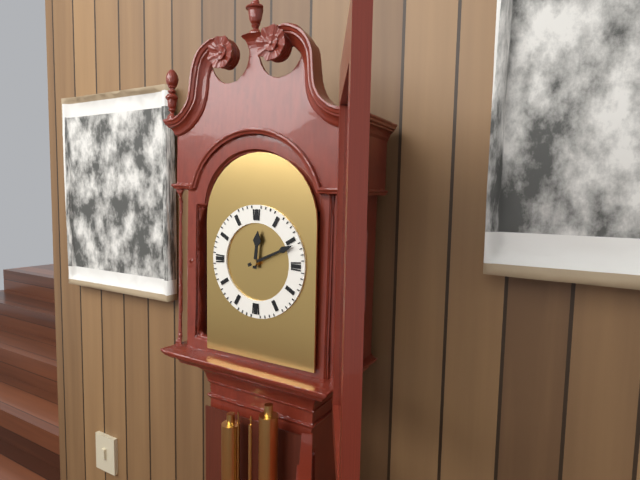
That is h=12 m=11
